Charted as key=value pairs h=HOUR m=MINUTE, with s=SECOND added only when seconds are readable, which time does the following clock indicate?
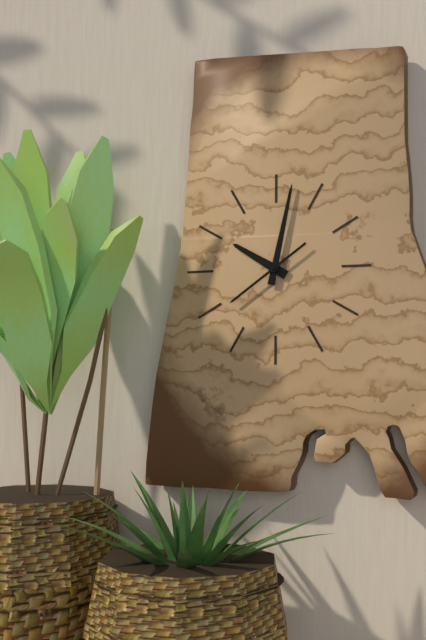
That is h=10 m=2 s=39
